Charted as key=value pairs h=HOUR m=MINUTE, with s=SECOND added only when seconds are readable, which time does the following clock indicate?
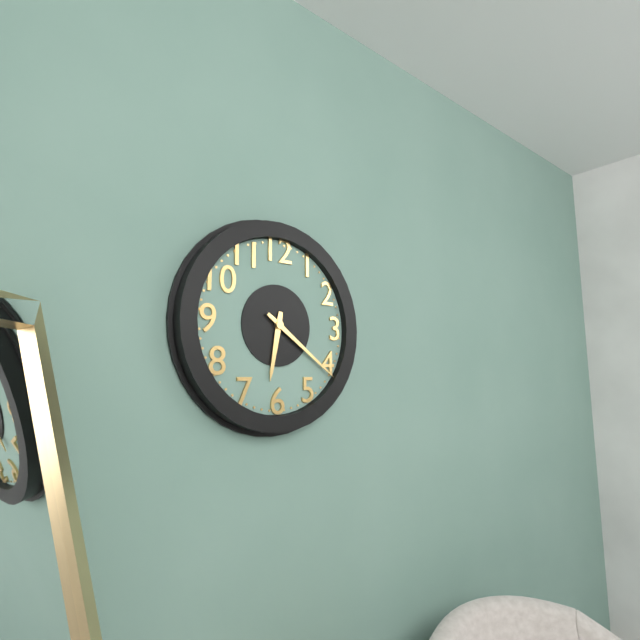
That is h=6 m=21
